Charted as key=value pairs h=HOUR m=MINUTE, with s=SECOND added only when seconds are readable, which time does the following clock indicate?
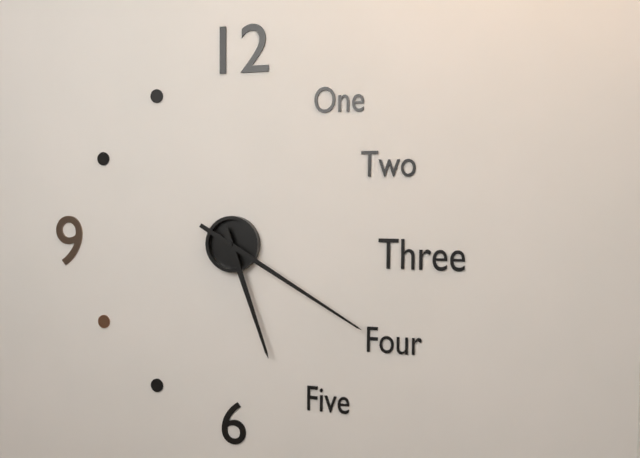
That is h=5 m=20
